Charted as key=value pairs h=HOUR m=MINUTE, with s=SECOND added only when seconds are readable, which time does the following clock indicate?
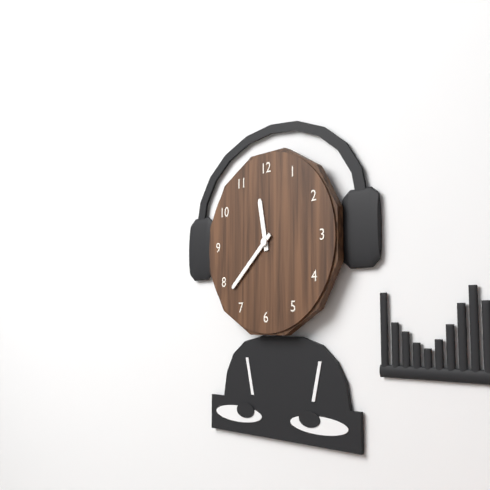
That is h=11 m=38
